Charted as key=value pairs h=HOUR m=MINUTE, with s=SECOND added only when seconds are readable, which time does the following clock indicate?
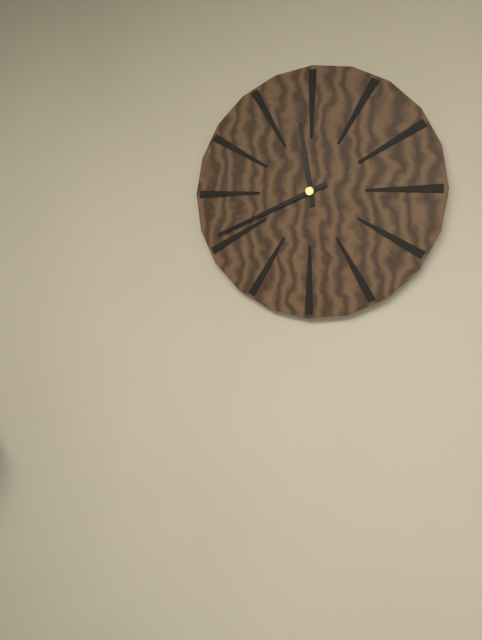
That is h=11 m=41
